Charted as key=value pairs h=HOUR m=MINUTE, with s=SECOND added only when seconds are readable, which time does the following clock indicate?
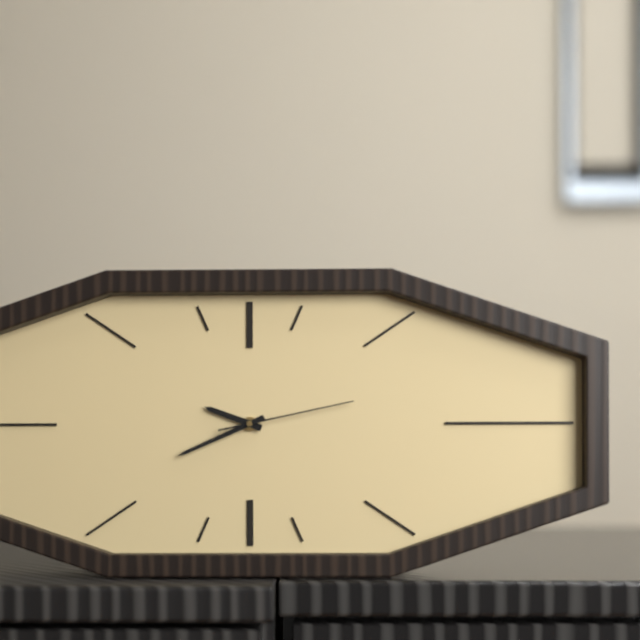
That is h=9 m=41 s=13
